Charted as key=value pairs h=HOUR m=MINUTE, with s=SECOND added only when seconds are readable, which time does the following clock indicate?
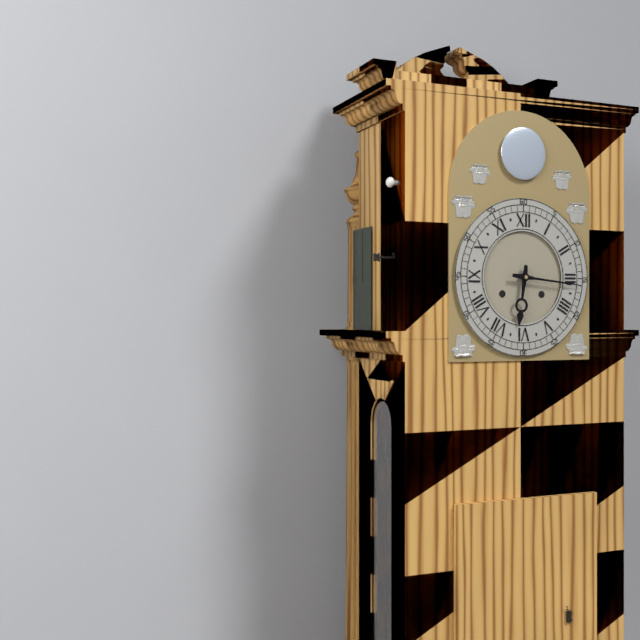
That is h=6 m=16
